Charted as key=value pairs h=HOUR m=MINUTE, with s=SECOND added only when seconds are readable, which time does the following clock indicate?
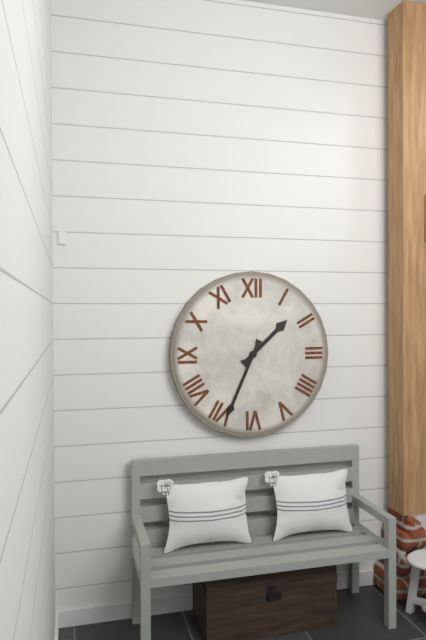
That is h=1 m=34
